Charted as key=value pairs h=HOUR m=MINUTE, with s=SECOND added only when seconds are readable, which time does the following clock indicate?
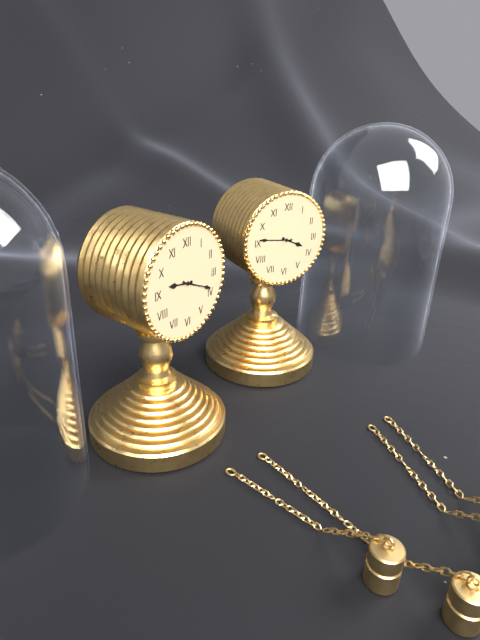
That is h=9 m=19
